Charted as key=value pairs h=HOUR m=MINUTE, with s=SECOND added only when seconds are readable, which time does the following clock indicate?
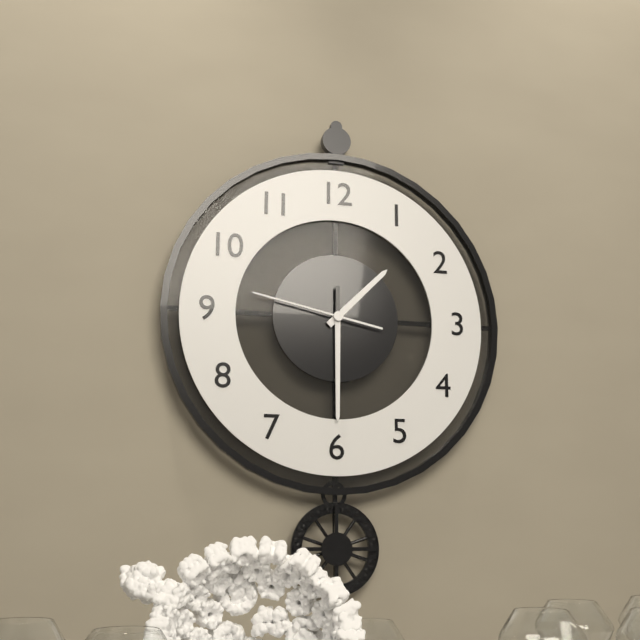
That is h=1 m=30 s=47
